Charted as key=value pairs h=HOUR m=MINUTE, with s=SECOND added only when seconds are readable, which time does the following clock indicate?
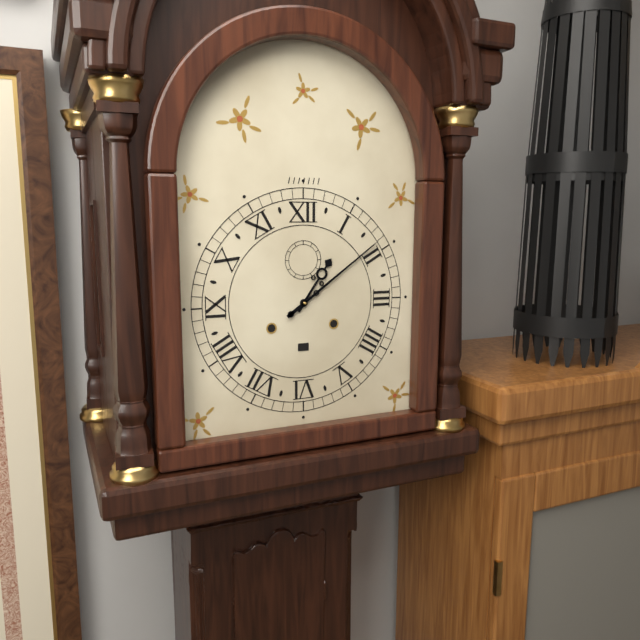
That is h=1 m=9
